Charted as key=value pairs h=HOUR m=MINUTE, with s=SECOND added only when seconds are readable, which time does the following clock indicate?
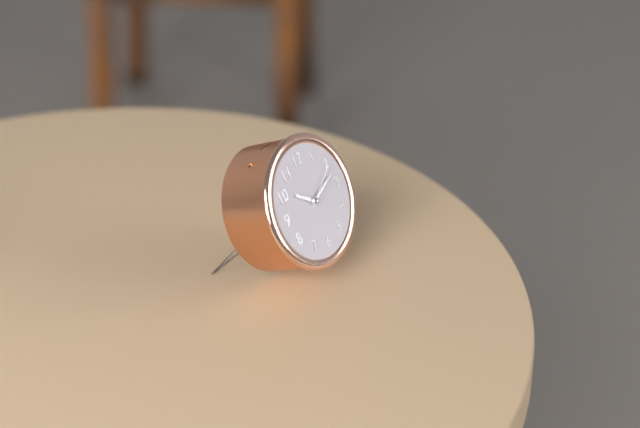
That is h=10 m=12 s=10
